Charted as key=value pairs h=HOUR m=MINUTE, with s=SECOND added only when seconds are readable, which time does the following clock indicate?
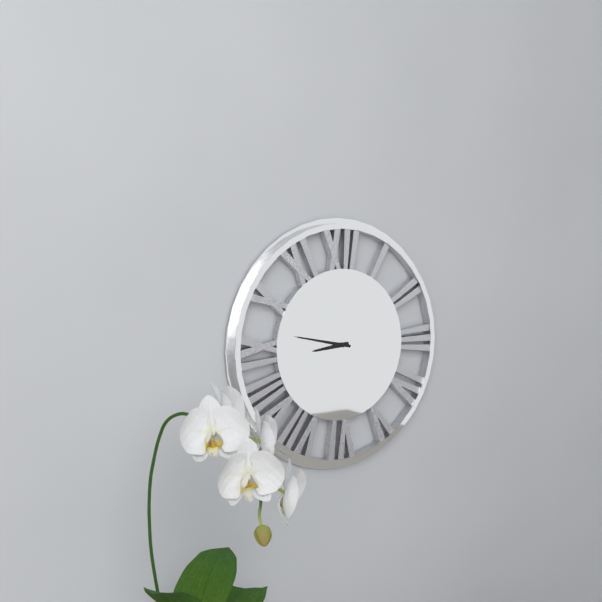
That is h=8 m=47
